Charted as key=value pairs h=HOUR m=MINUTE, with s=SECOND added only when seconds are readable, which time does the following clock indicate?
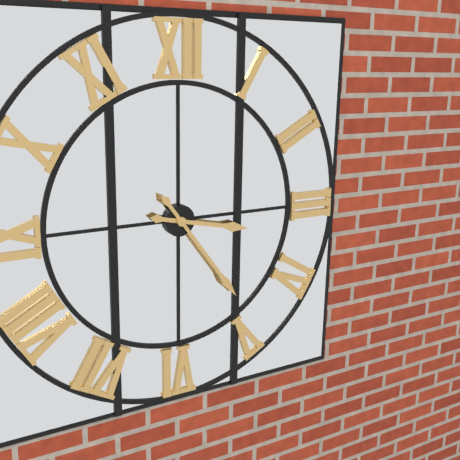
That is h=3 m=24
